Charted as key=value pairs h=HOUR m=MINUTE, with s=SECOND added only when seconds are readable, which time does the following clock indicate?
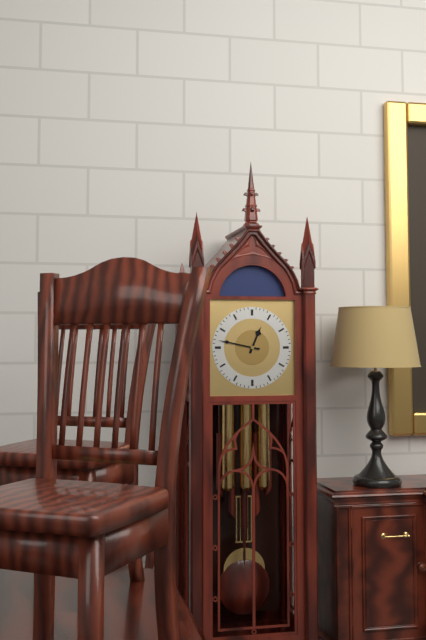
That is h=12 m=47
